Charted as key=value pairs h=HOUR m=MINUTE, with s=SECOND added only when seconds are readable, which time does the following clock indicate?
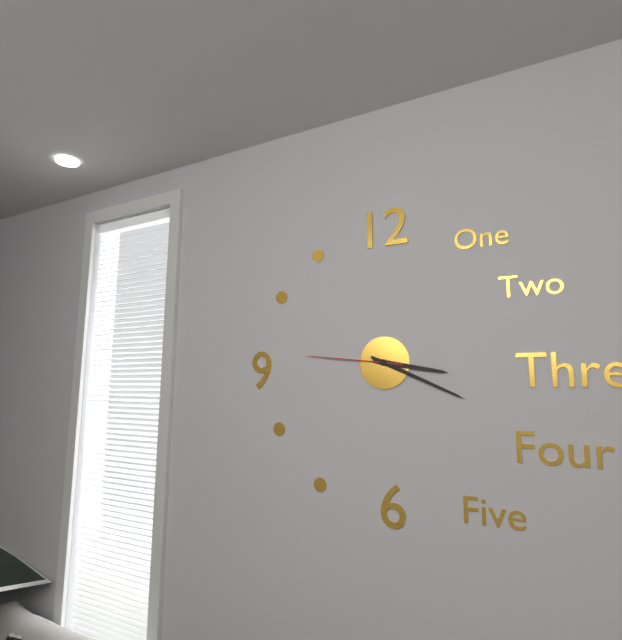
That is h=3 m=19 s=46
